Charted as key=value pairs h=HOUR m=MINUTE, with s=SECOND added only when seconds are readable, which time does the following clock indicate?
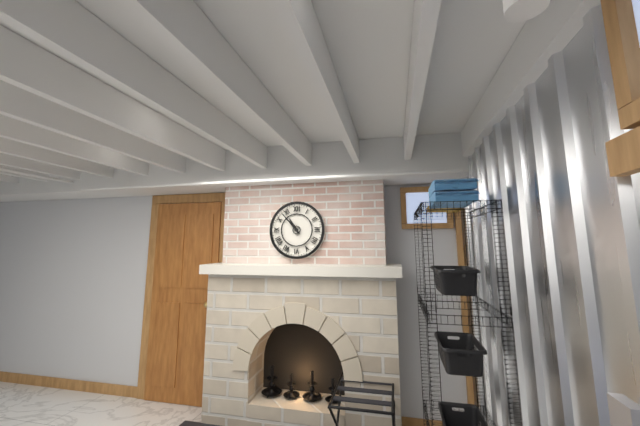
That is h=10 m=53
